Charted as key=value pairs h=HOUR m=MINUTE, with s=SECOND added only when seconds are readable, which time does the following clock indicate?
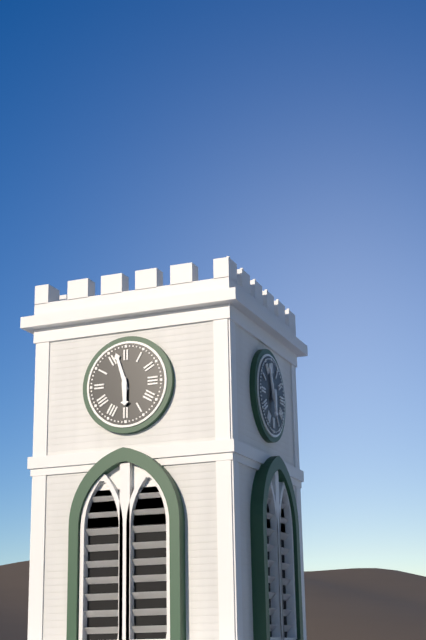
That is h=5 m=57
